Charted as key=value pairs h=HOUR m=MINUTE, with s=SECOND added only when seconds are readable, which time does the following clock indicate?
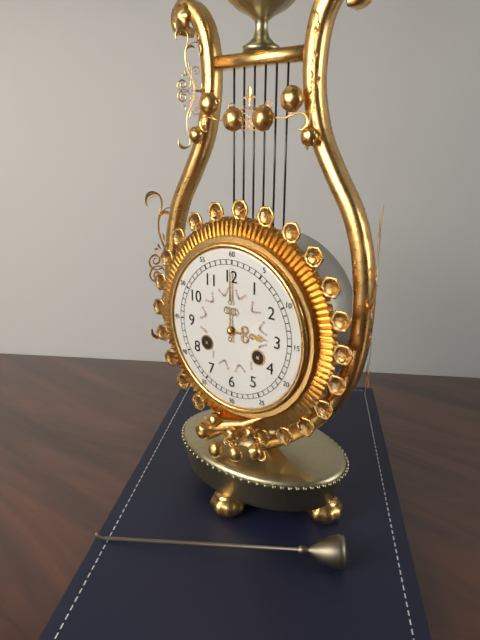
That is h=3 m=0
